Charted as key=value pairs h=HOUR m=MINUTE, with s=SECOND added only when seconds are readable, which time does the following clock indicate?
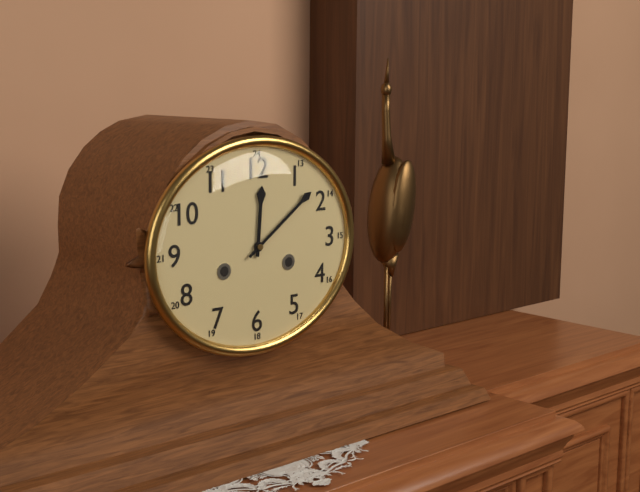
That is h=12 m=9
